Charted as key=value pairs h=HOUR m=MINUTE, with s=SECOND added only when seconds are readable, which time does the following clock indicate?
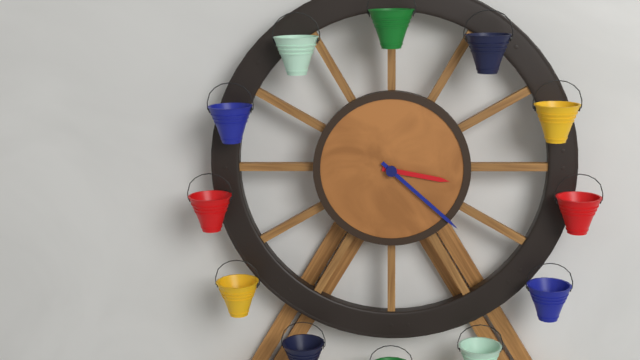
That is h=3 m=22
